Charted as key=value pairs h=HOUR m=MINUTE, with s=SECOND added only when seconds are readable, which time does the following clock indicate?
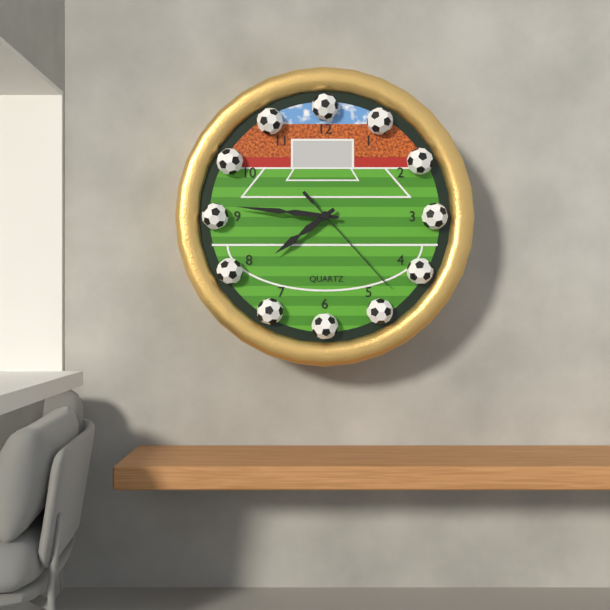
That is h=7 m=46 s=23
